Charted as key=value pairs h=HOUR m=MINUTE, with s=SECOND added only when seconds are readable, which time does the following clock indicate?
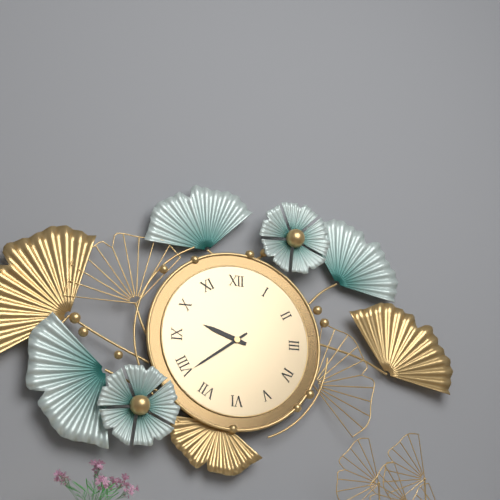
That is h=9 m=39
